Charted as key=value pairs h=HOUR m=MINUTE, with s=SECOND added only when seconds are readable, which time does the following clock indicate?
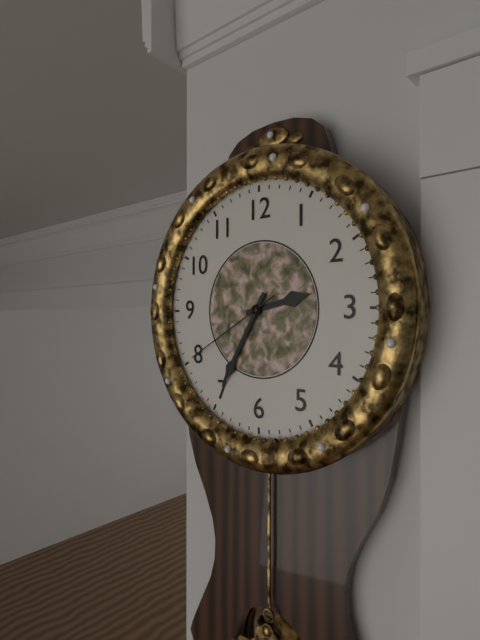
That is h=2 m=35 s=40
